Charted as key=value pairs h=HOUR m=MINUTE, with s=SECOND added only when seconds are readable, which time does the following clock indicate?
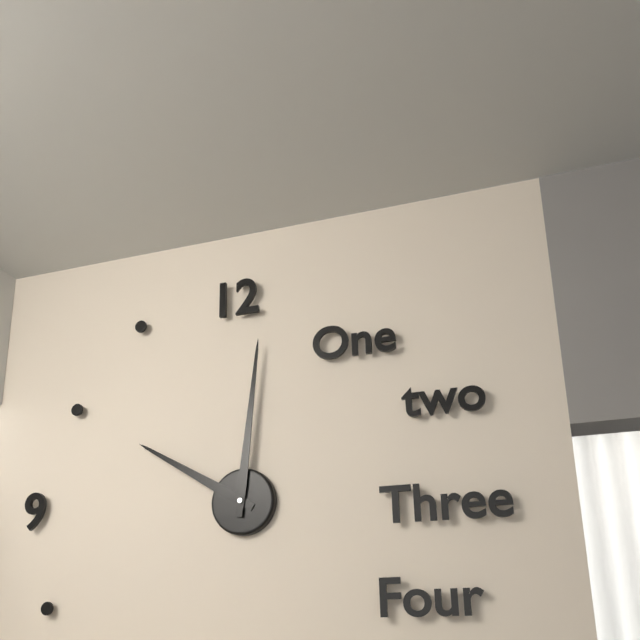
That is h=10 m=1
